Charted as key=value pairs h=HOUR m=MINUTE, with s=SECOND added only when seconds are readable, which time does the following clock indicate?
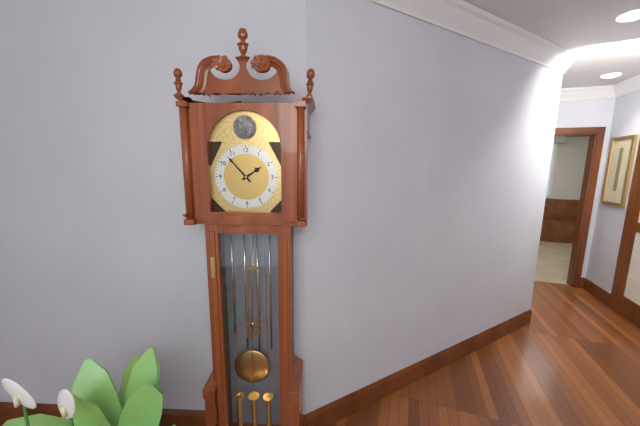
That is h=1 m=53
